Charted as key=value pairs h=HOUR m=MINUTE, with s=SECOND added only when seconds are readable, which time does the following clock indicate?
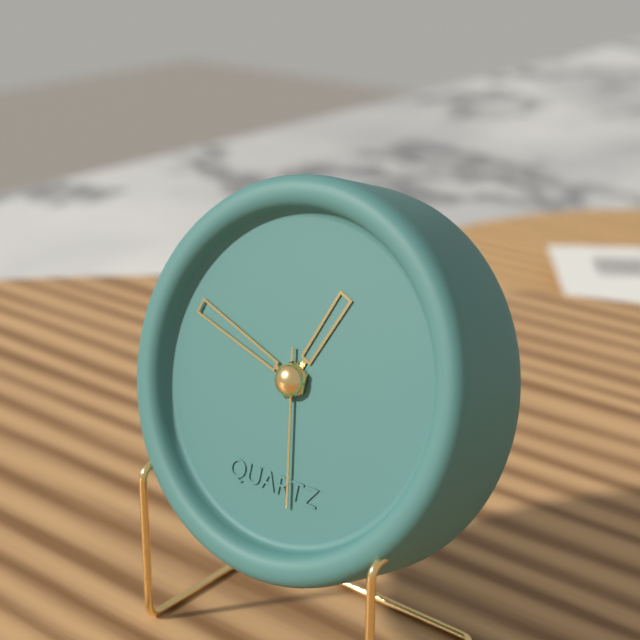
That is h=12 m=48 s=28
